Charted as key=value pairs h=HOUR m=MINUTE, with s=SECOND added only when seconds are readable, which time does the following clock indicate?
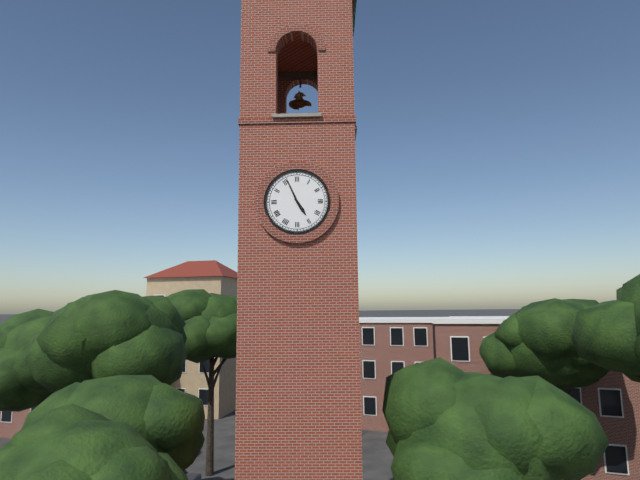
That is h=4 m=56
